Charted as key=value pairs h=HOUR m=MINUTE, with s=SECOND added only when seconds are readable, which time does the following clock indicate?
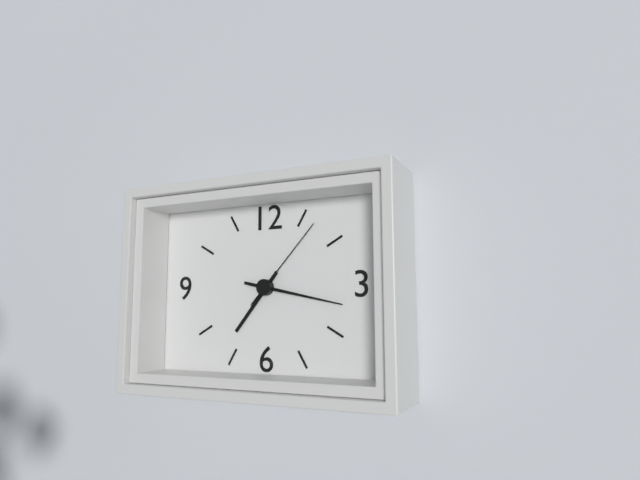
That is h=7 m=17 s=7
